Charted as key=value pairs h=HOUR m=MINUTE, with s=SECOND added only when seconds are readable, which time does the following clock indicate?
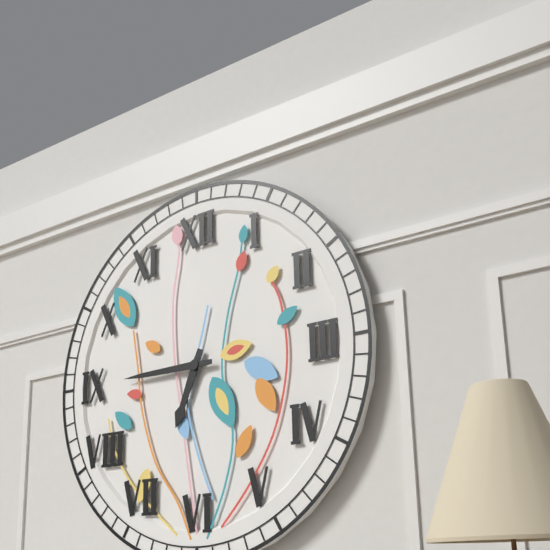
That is h=6 m=45
